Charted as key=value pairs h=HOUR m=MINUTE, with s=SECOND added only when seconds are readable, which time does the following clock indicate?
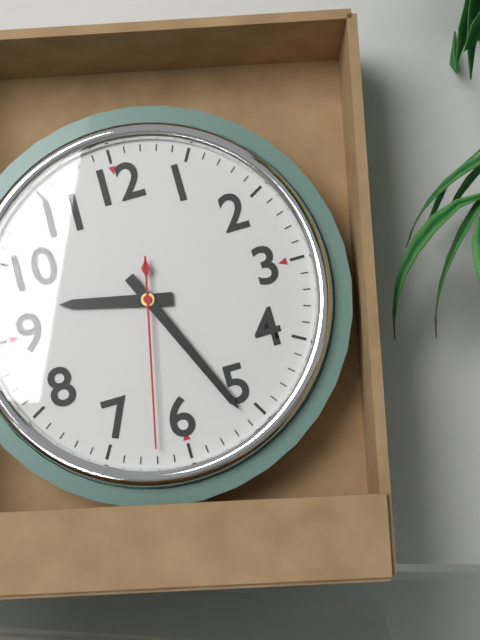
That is h=9 m=26 s=32
